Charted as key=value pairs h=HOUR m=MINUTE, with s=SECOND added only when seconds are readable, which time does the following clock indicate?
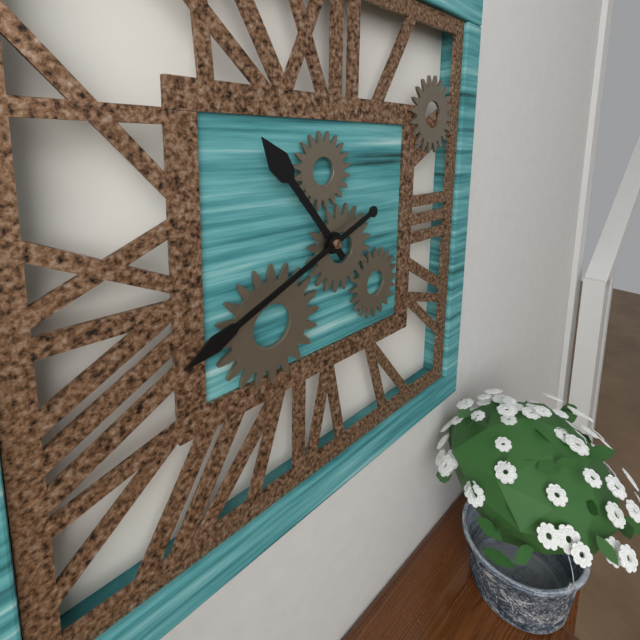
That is h=10 m=41
